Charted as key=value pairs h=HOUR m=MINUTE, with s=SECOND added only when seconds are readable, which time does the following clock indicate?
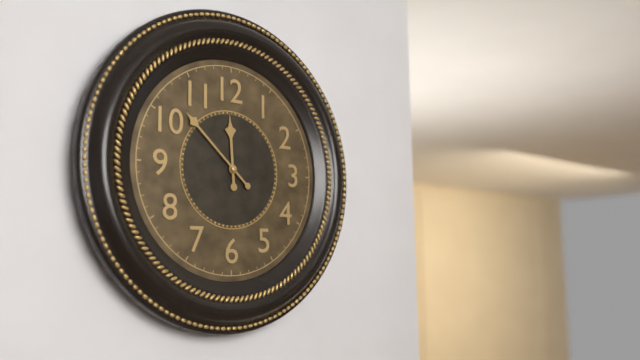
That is h=11 m=52
